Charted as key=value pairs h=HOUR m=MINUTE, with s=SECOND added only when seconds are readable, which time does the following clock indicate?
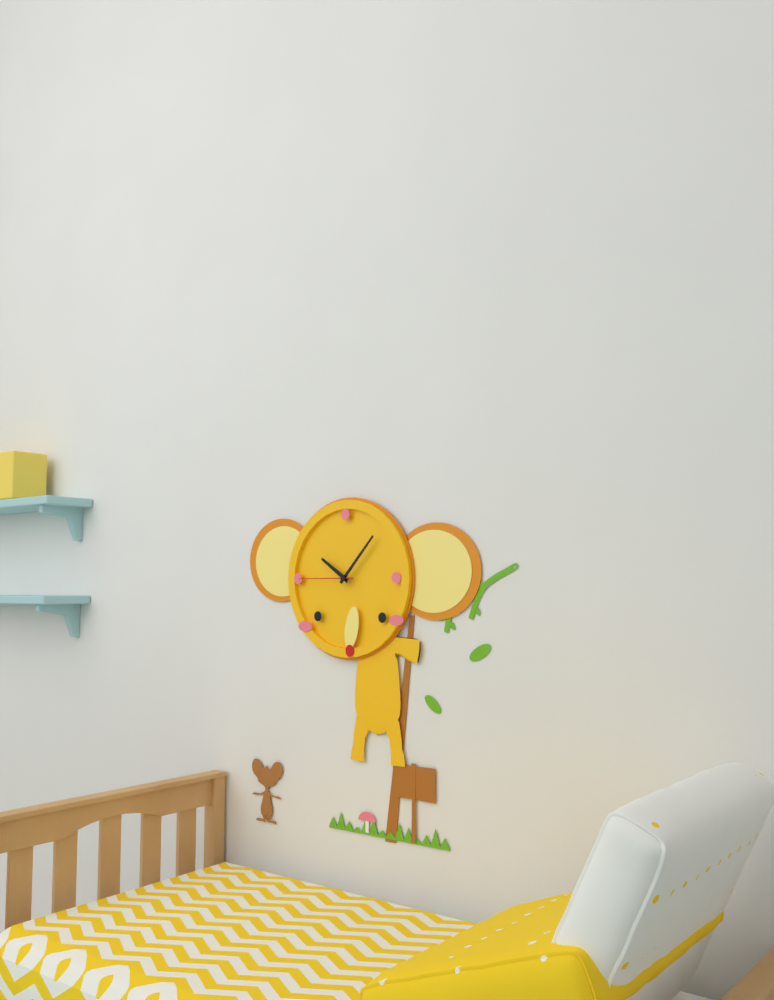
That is h=10 m=7 s=45
